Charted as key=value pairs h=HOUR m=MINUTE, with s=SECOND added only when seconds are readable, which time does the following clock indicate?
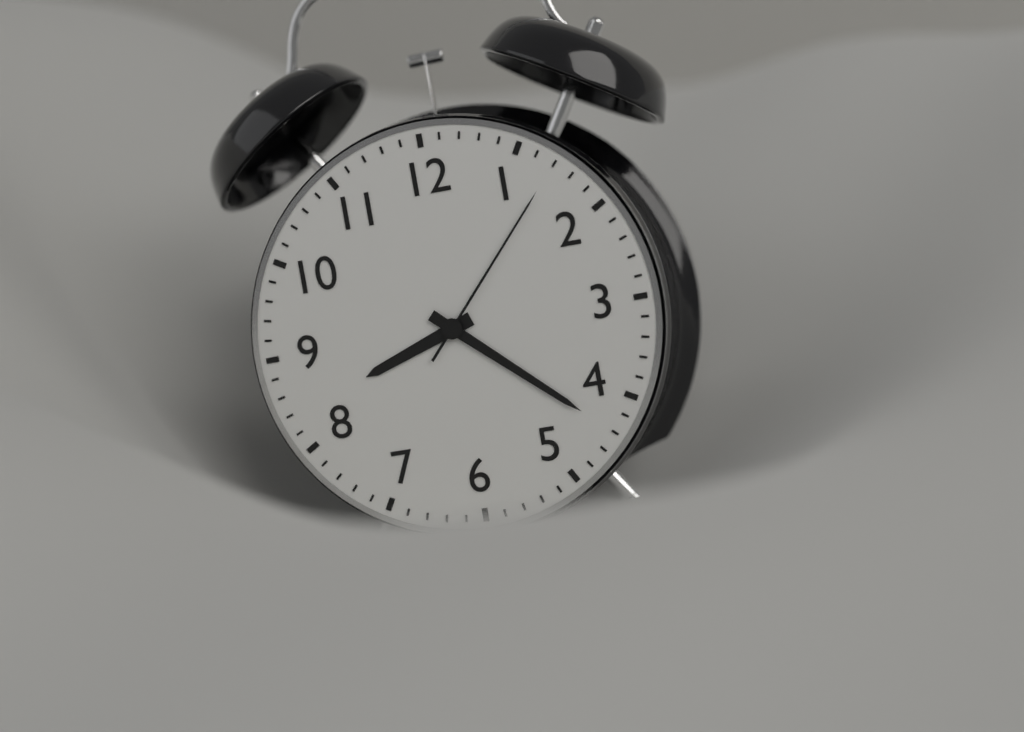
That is h=8 m=22 s=7
